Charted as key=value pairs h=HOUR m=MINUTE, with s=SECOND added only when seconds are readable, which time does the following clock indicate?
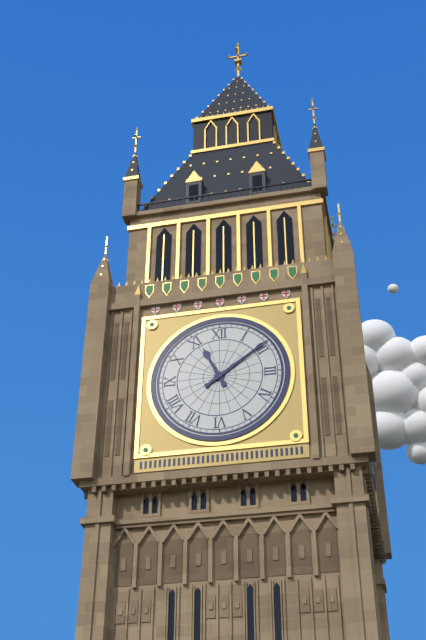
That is h=11 m=9
